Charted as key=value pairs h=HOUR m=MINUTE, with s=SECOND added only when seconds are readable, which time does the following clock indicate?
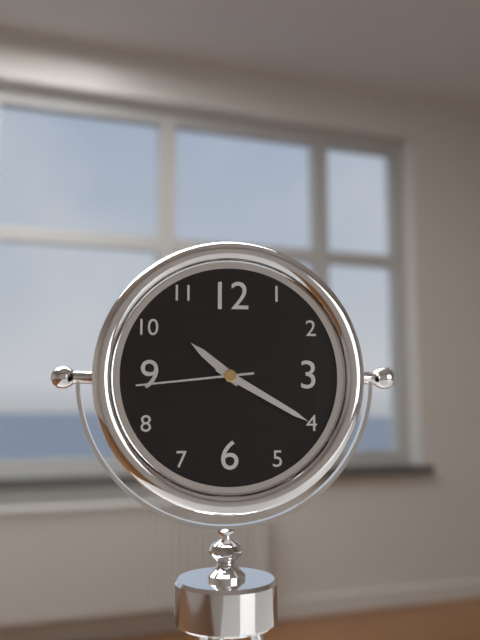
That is h=10 m=20 s=44
